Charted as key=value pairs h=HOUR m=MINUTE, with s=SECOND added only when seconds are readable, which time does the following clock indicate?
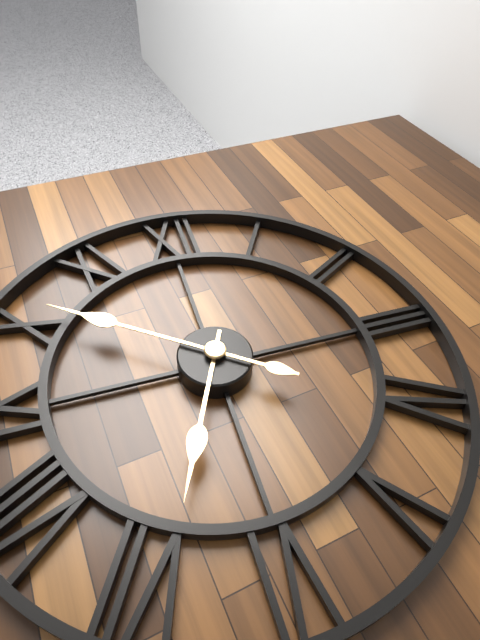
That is h=6 m=51
